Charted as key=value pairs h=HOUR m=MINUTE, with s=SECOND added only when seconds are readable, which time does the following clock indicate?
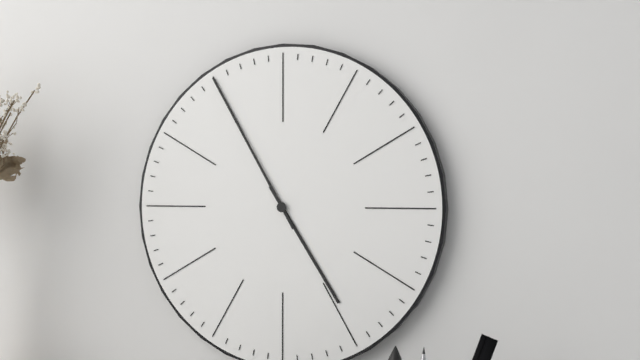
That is h=4 m=55
